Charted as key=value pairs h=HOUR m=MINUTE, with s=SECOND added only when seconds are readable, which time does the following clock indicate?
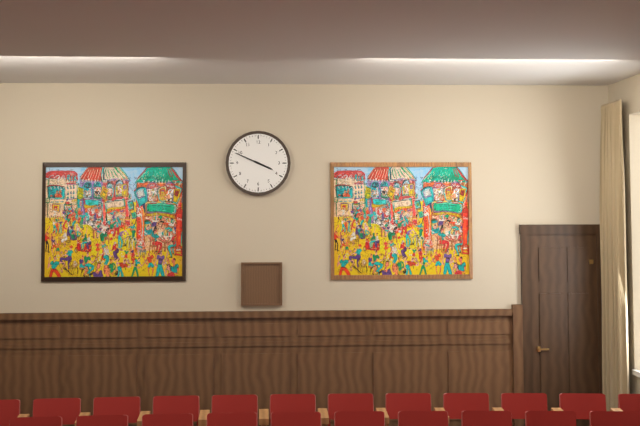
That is h=3 m=49
